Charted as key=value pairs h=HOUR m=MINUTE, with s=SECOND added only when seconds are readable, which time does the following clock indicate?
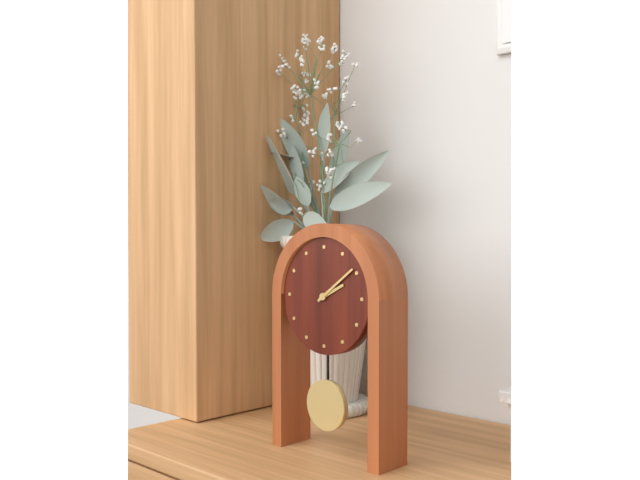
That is h=2 m=9
